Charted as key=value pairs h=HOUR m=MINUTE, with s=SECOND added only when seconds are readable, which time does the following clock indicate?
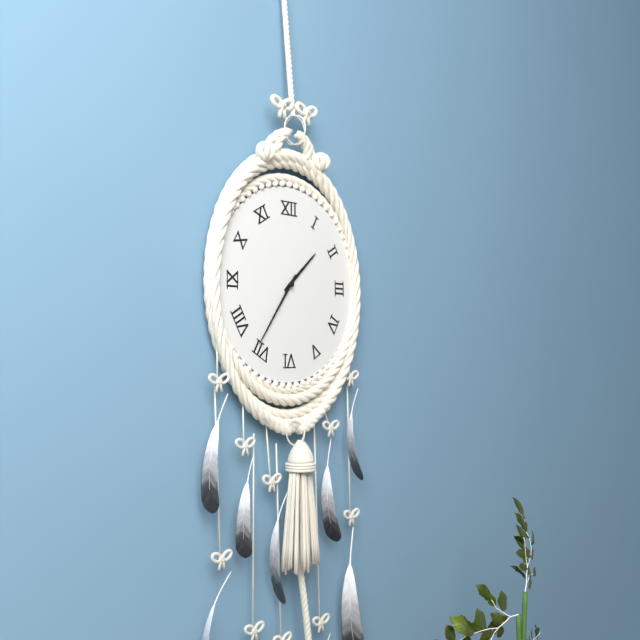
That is h=1 m=36
